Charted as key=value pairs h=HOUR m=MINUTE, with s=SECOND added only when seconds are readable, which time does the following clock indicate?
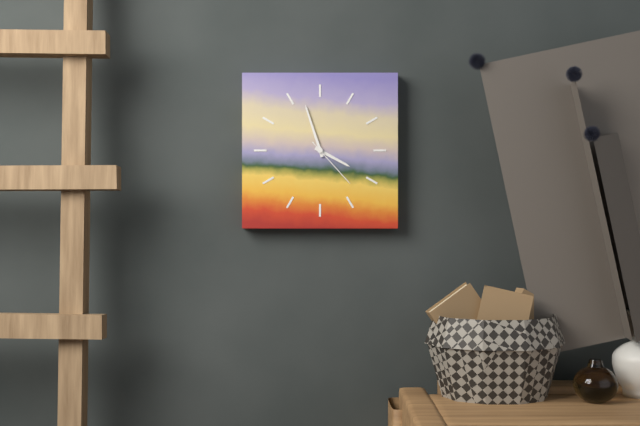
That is h=3 m=57 s=23
